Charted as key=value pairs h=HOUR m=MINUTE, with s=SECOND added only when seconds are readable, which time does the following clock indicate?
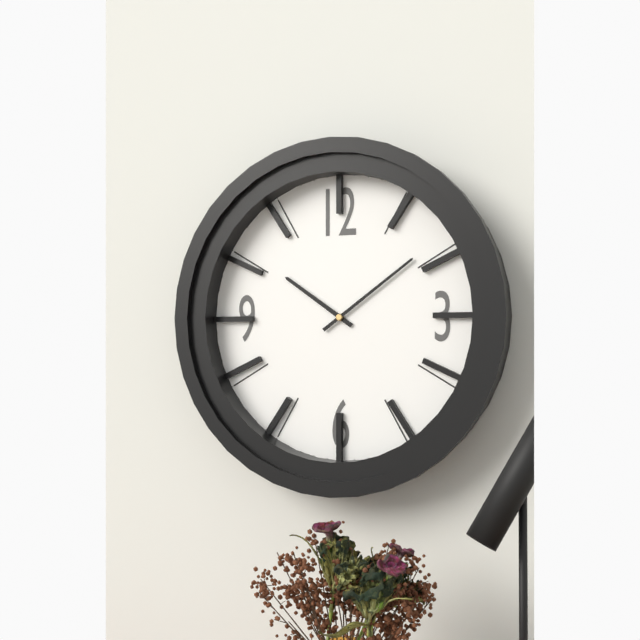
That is h=10 m=9
